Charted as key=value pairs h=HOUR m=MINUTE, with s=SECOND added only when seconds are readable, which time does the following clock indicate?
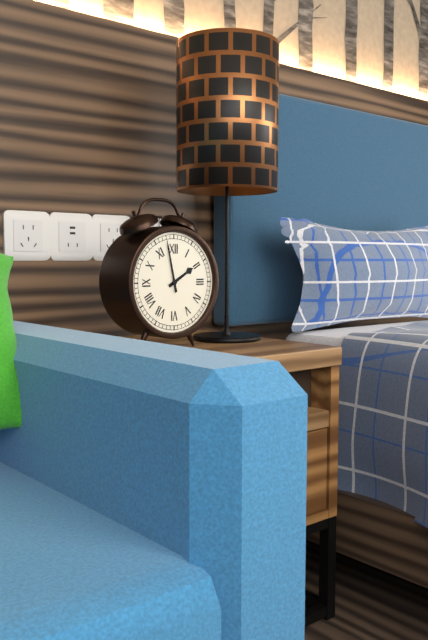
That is h=1 m=58
